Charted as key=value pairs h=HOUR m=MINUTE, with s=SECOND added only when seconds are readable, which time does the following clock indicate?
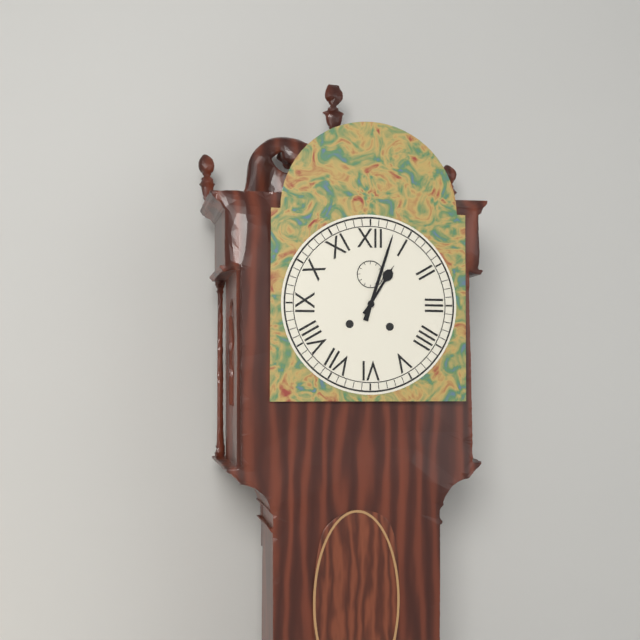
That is h=1 m=3
